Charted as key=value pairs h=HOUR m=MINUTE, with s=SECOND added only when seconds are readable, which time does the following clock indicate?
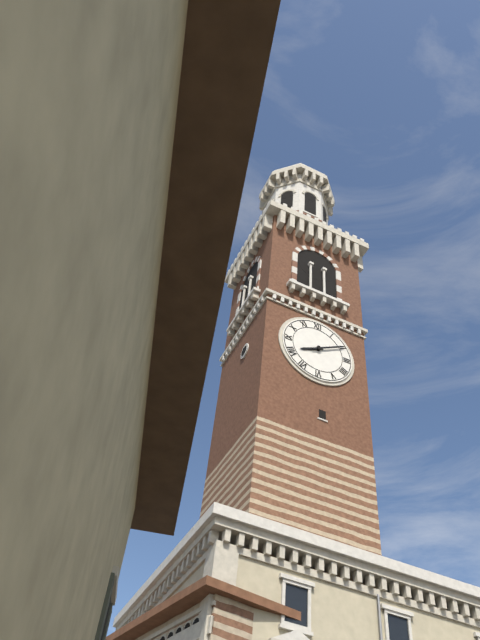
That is h=8 m=10
